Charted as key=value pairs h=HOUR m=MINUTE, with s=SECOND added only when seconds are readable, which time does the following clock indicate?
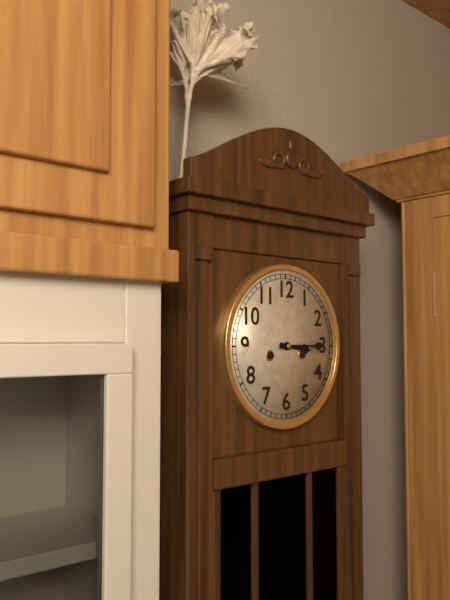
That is h=3 m=15
